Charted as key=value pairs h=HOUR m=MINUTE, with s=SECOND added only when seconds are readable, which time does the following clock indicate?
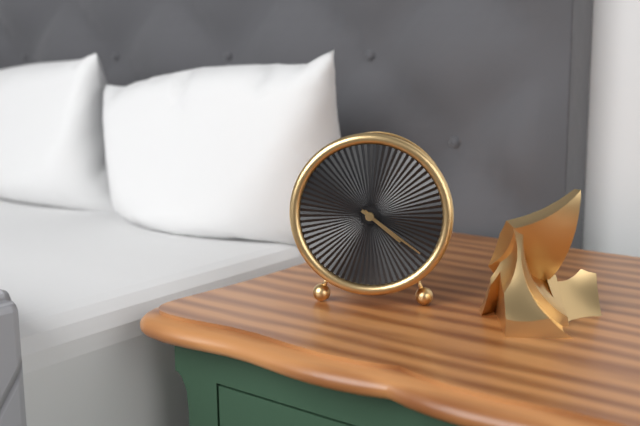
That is h=4 m=21
